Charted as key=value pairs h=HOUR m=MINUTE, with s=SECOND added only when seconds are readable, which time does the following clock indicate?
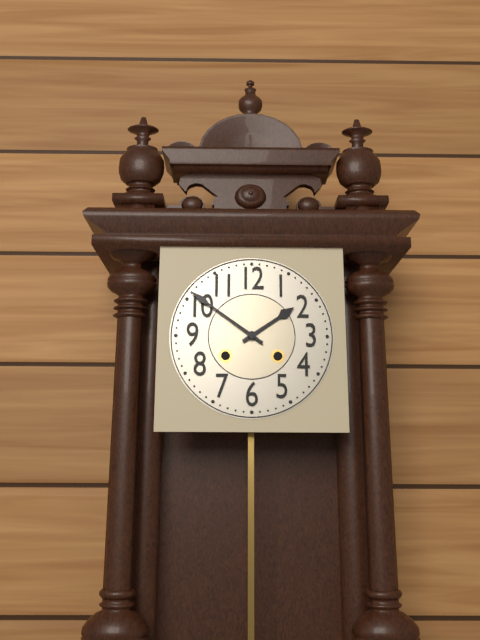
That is h=1 m=51
